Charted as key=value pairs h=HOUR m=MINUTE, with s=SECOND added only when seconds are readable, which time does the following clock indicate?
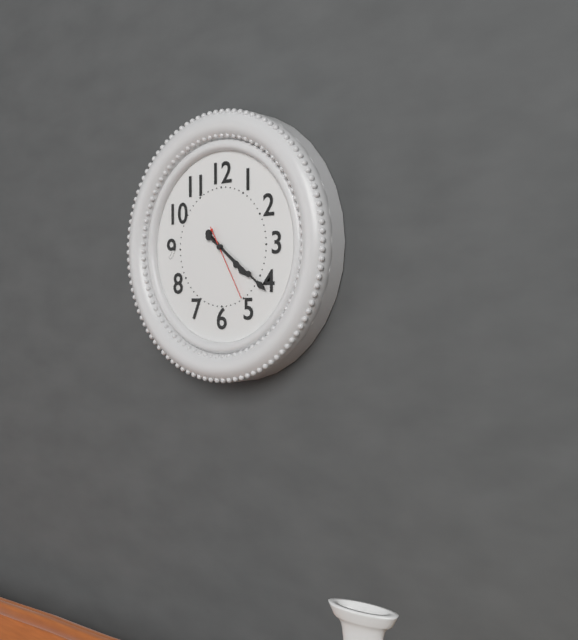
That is h=4 m=21 s=25
